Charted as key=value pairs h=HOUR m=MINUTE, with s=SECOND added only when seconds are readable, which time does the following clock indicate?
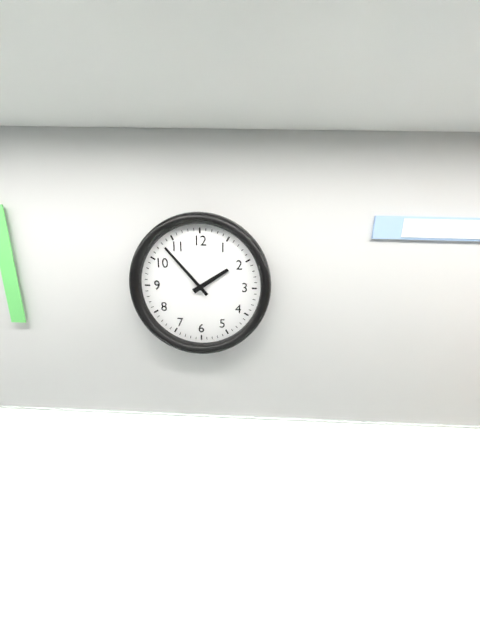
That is h=1 m=53
